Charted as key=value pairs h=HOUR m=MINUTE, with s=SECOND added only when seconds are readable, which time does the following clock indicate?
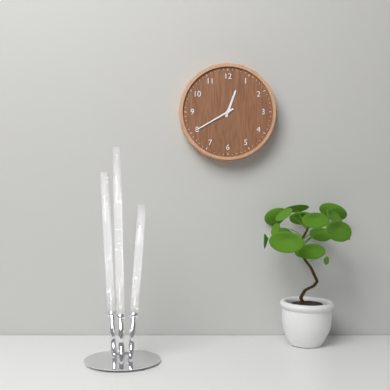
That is h=12 m=40
